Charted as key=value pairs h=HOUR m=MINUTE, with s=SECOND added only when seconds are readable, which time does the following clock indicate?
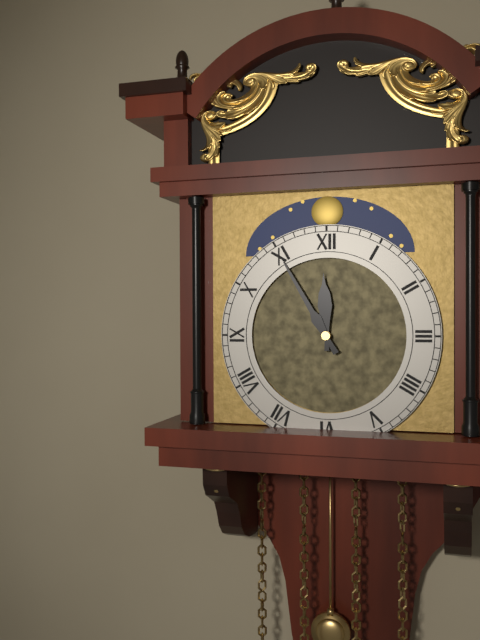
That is h=11 m=55
